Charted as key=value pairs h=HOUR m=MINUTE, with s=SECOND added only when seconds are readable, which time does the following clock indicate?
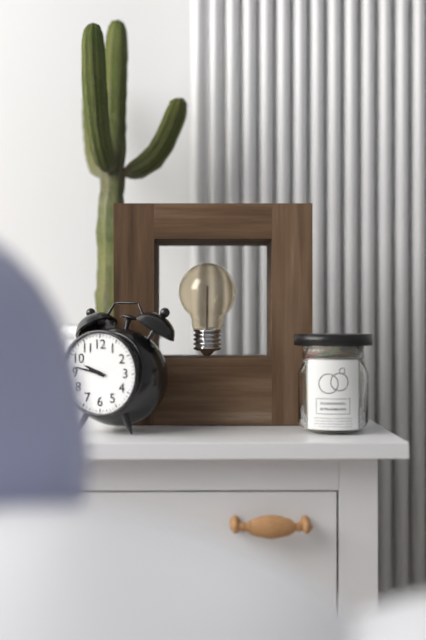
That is h=9 m=47
